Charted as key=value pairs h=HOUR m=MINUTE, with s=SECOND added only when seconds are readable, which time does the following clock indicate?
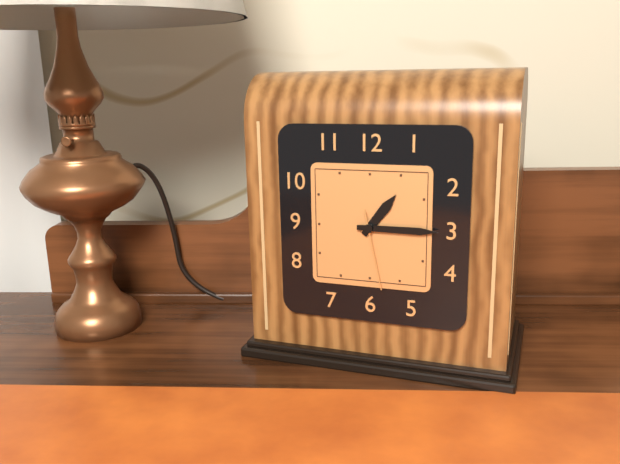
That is h=1 m=15 s=28
